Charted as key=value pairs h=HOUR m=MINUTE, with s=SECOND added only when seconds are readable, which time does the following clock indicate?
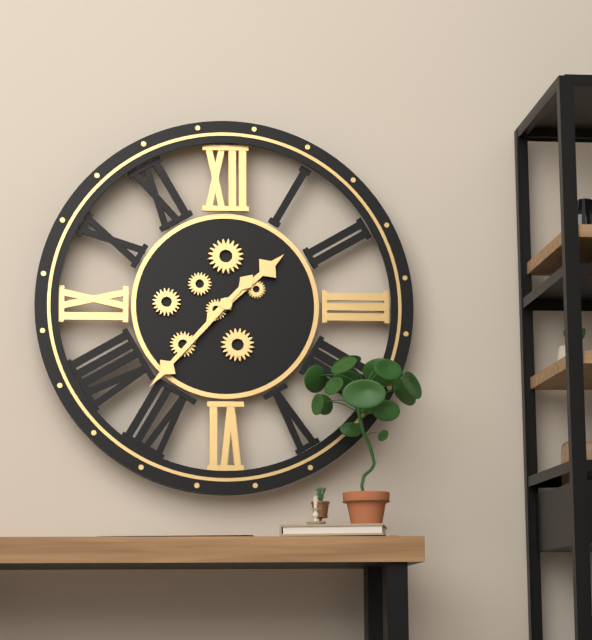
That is h=1 m=37
